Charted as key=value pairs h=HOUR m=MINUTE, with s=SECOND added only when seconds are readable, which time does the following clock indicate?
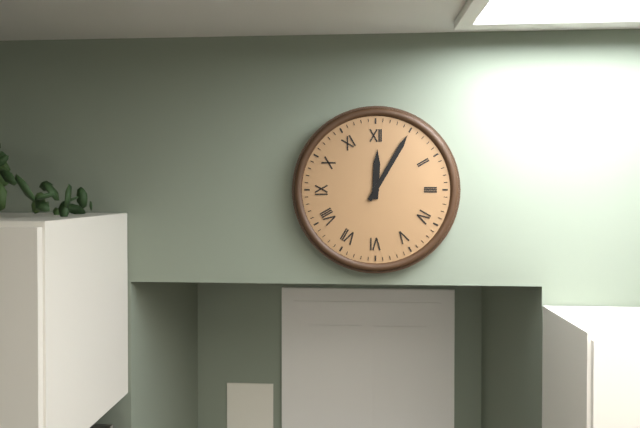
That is h=12 m=5
